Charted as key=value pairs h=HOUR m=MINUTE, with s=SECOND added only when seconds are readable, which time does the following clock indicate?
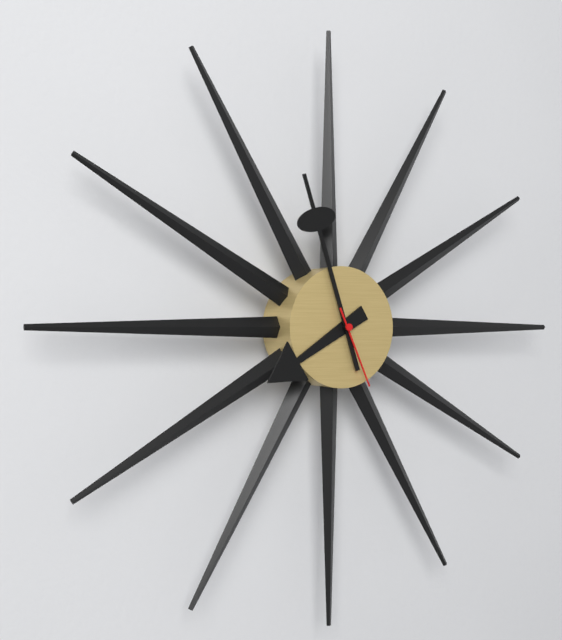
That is h=7 m=57 s=26
